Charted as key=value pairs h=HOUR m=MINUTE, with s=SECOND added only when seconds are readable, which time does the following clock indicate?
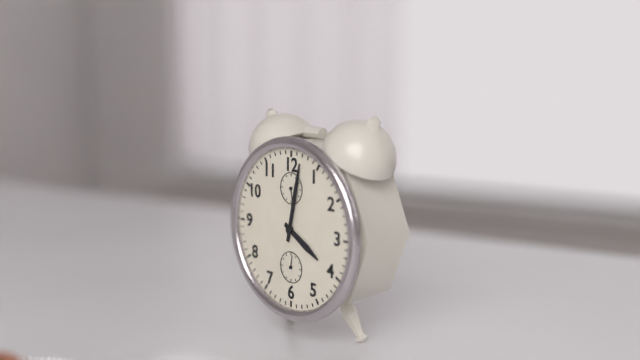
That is h=4 m=2
